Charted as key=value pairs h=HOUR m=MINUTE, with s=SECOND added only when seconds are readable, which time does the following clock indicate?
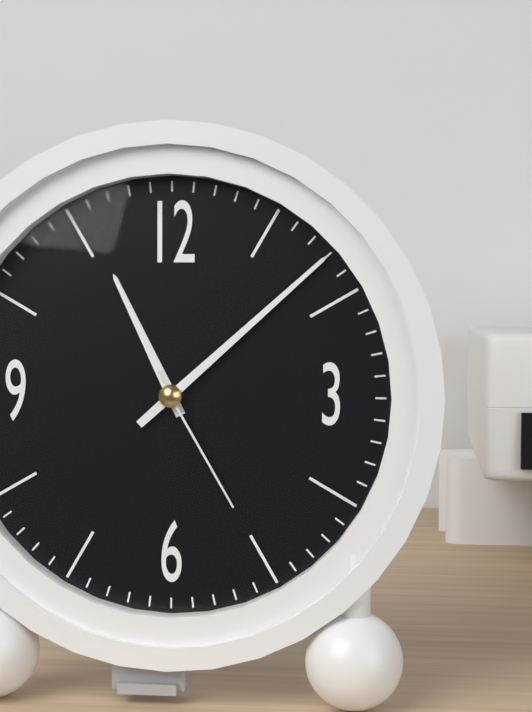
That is h=11 m=8 s=25
